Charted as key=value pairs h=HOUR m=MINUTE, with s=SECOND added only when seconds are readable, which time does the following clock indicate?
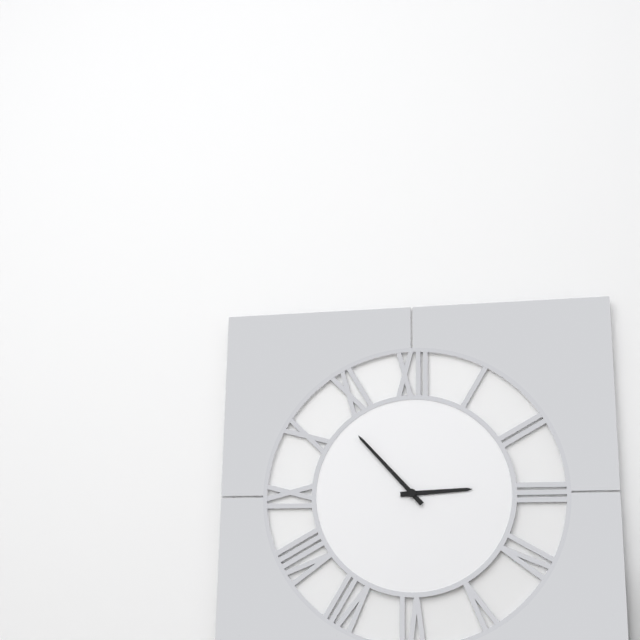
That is h=2 m=53
